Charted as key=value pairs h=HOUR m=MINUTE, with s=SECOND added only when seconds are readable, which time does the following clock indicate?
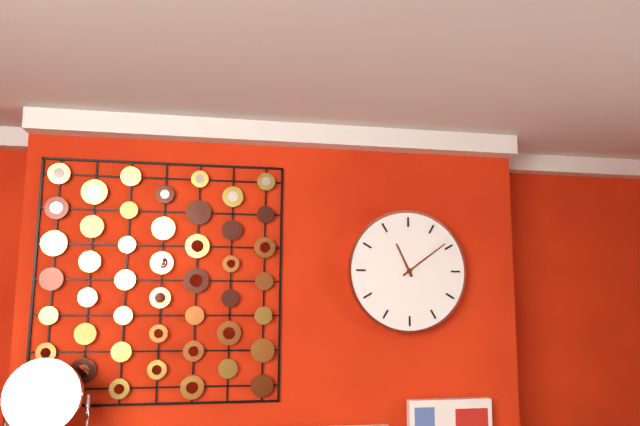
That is h=11 m=9
